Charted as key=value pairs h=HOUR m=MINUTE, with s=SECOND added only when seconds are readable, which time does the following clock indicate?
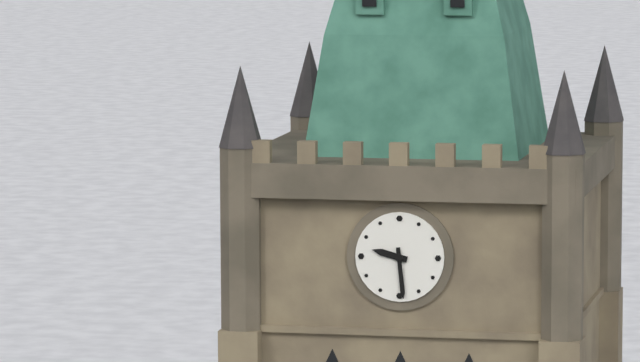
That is h=9 m=29
